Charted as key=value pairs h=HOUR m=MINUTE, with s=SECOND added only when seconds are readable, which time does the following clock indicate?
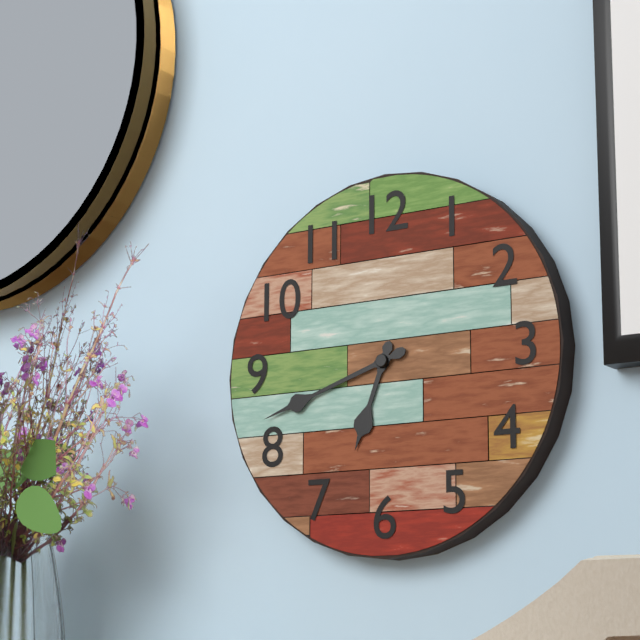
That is h=6 m=42
